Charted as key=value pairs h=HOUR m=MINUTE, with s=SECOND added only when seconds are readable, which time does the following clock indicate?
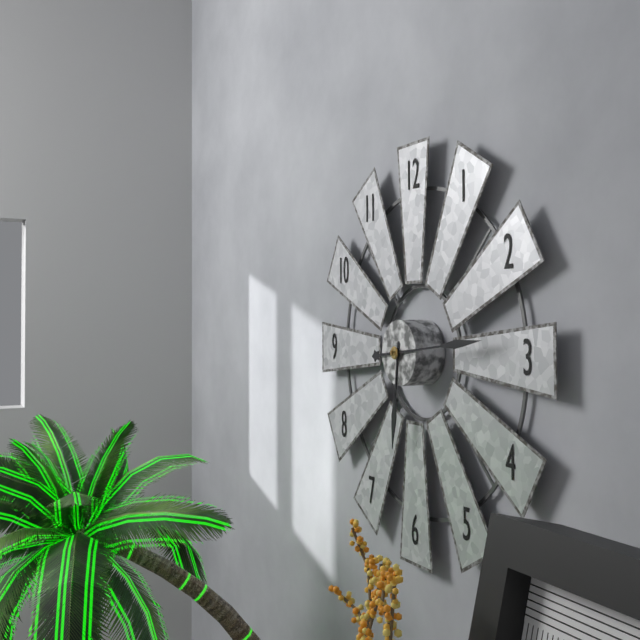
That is h=6 m=14
